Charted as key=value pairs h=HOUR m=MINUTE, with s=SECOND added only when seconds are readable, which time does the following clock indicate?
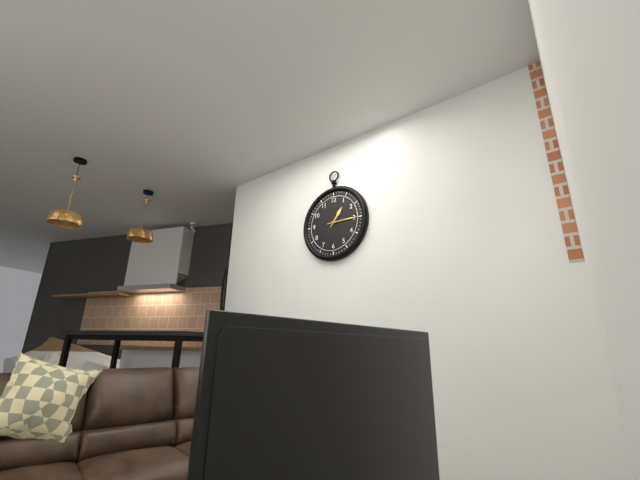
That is h=1 m=15
